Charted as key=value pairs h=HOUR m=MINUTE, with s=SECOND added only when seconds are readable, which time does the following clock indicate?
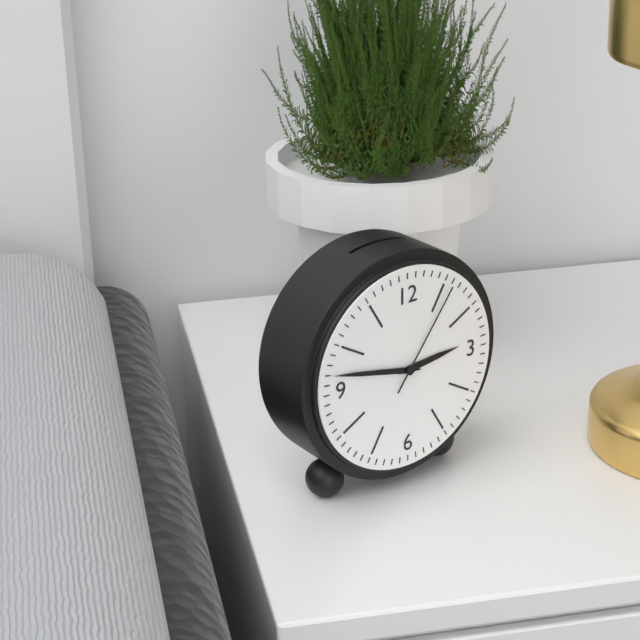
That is h=2 m=47 s=6
